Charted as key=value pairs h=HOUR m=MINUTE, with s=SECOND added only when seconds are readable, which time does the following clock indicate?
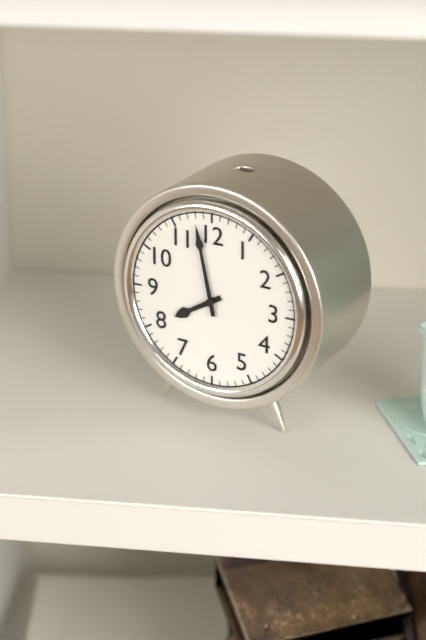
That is h=7 m=58
